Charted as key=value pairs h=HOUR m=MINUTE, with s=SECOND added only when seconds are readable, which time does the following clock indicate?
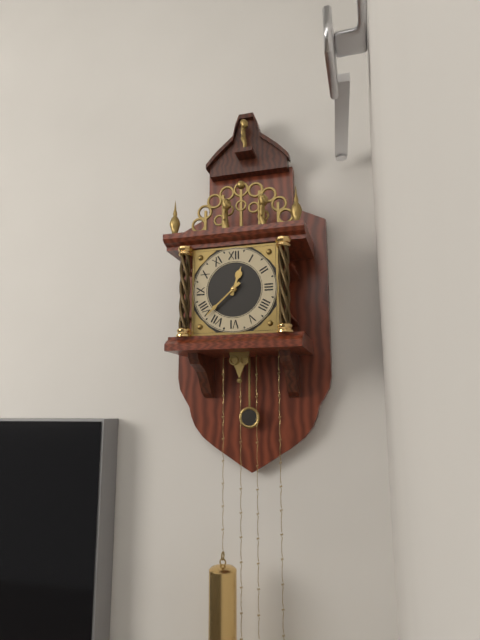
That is h=12 m=38
